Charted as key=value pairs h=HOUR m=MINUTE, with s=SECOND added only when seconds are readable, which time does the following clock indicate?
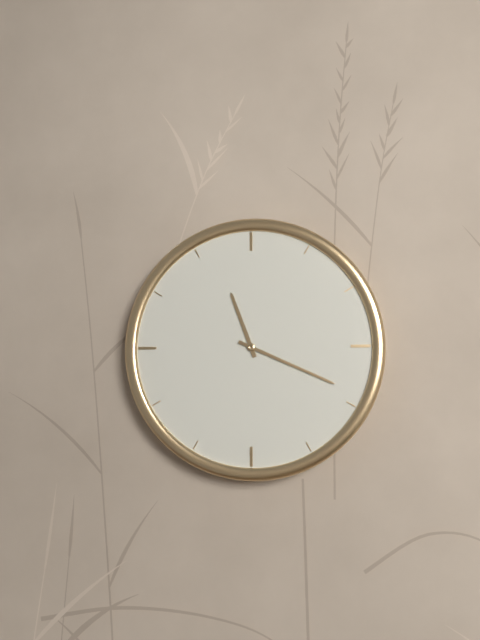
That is h=11 m=19
